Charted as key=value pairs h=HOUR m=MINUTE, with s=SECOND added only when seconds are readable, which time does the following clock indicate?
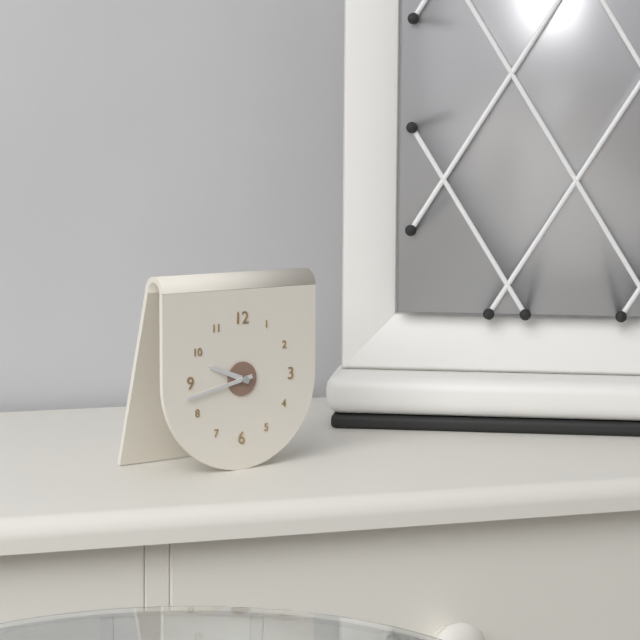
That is h=9 m=43
